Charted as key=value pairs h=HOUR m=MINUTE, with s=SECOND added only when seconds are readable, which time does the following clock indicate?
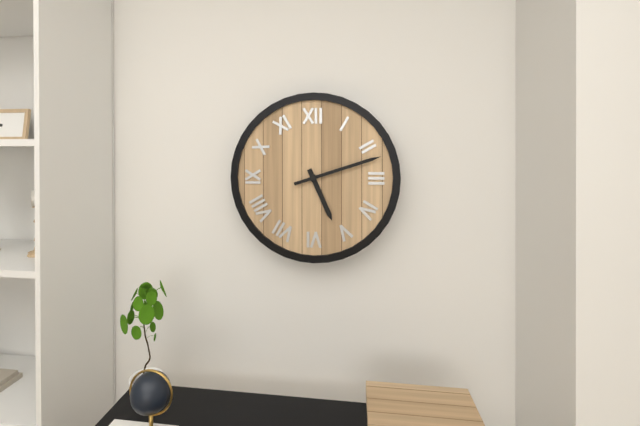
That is h=5 m=12
